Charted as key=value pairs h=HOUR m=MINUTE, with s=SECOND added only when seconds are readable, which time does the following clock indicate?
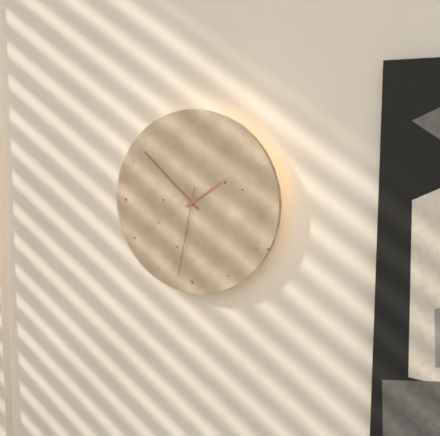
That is h=1 m=52 s=32
